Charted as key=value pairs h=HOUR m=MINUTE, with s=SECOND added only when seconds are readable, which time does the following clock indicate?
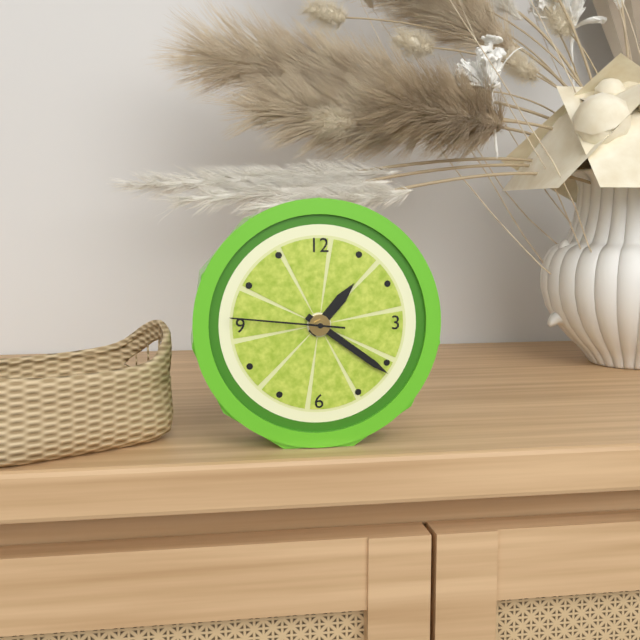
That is h=1 m=21 s=46
